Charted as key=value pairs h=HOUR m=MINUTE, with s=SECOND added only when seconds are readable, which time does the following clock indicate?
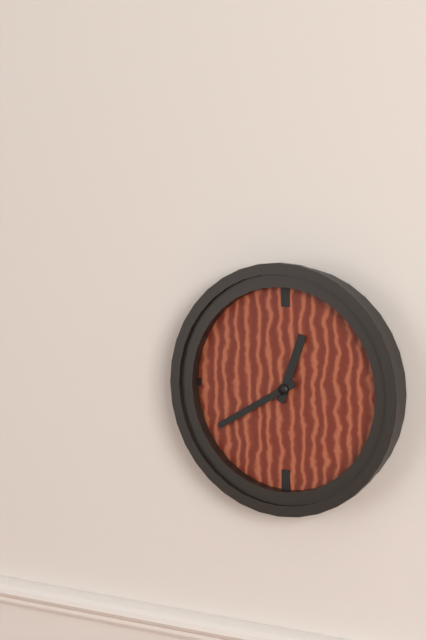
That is h=12 m=40
